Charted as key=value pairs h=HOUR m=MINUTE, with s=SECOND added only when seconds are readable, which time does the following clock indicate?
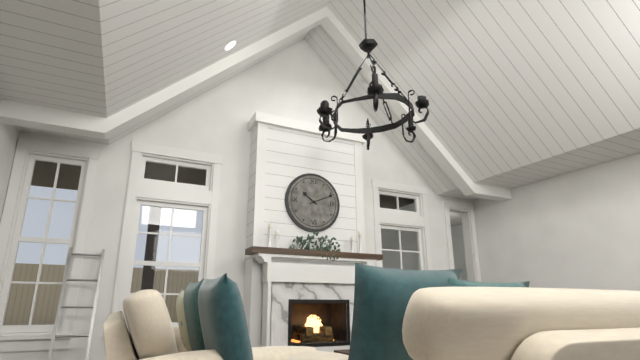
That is h=10 m=11
